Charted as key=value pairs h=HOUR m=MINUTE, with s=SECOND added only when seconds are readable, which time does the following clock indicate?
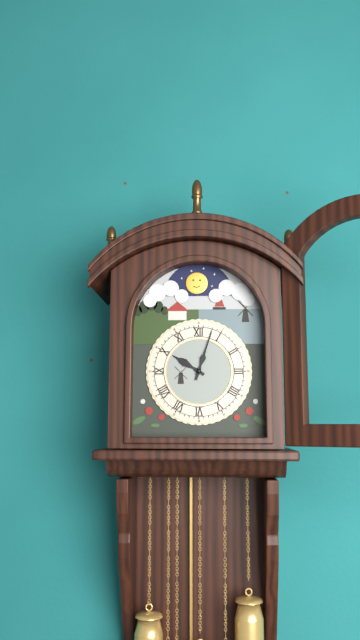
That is h=10 m=3
